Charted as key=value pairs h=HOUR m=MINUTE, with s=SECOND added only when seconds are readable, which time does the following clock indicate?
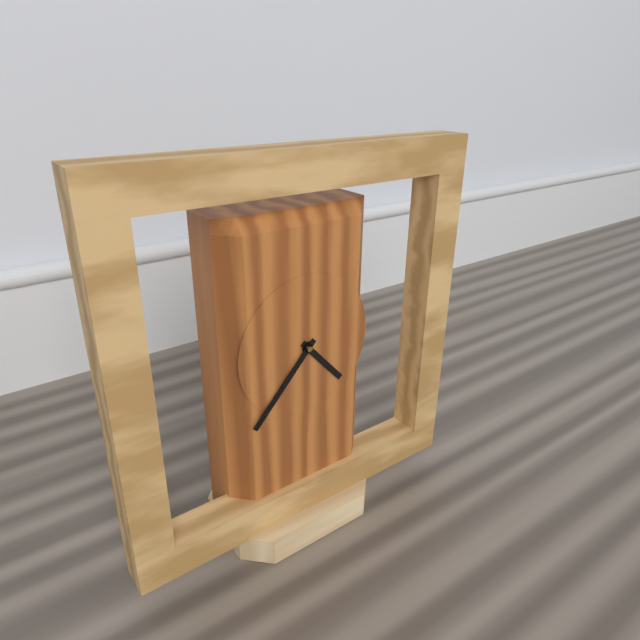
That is h=4 m=37
